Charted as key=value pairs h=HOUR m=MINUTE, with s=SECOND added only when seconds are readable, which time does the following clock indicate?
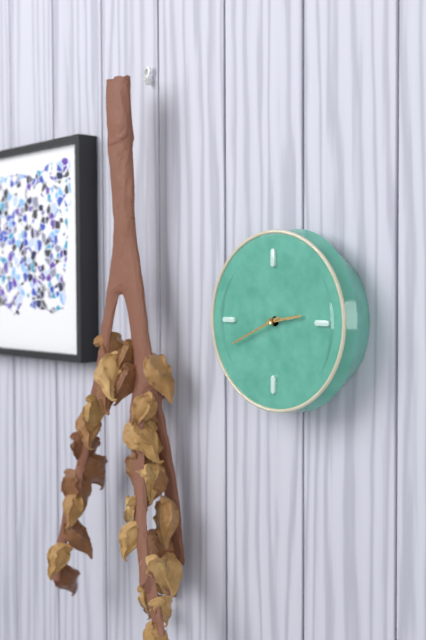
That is h=2 m=41
